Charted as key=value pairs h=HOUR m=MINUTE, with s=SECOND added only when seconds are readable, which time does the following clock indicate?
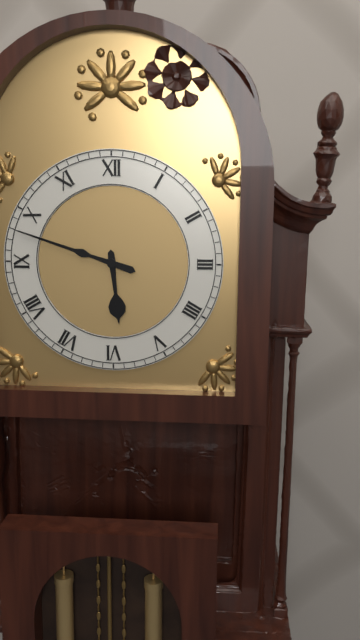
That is h=5 m=48
